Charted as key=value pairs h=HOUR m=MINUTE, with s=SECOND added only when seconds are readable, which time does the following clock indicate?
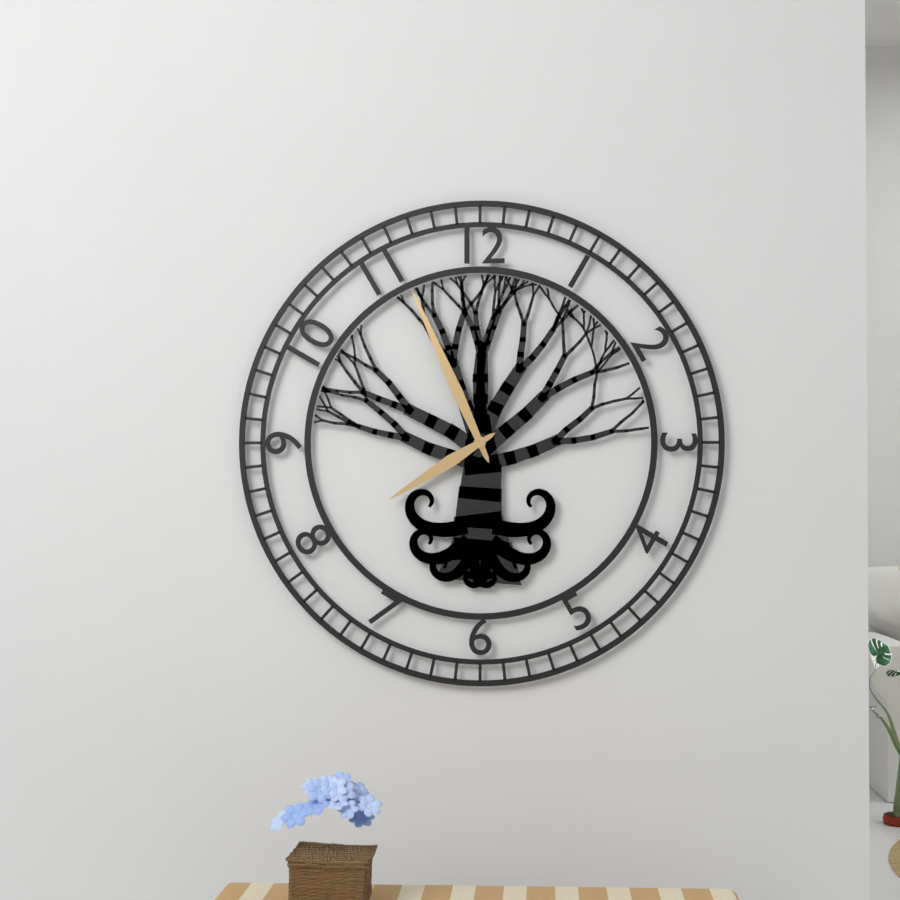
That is h=7 m=56
